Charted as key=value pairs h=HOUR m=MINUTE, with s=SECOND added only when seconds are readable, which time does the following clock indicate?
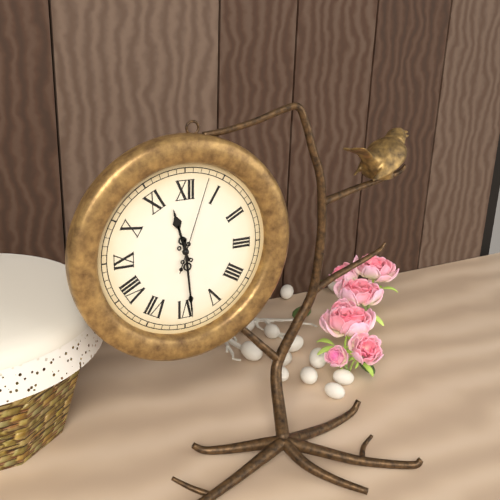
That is h=11 m=29 s=3
